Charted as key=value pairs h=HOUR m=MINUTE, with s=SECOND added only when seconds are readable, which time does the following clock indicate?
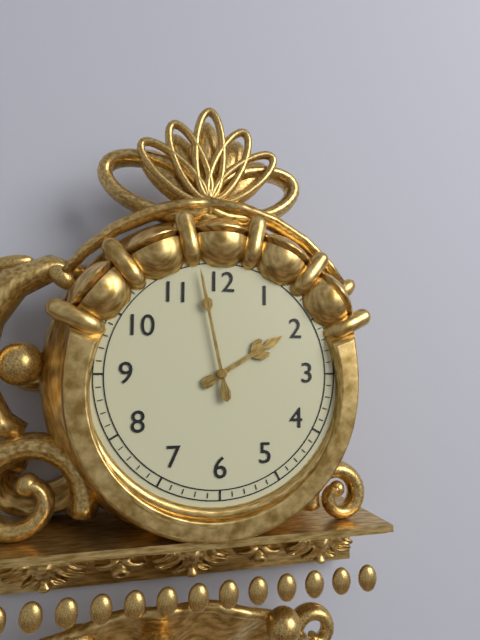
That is h=1 m=58
